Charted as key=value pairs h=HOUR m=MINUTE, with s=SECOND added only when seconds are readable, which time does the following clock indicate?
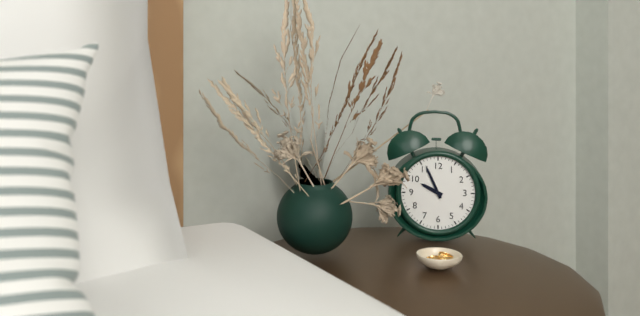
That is h=9 m=56
